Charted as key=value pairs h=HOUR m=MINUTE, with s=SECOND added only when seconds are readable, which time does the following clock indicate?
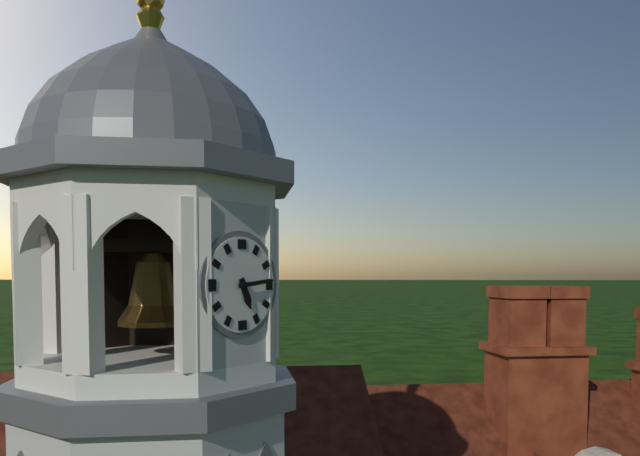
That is h=5 m=14
